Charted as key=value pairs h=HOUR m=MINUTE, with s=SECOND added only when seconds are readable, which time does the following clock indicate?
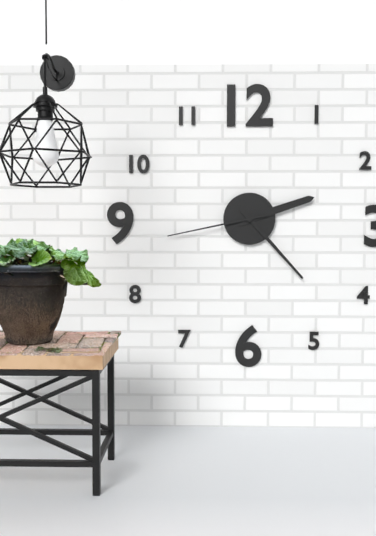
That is h=2 m=23 s=43
